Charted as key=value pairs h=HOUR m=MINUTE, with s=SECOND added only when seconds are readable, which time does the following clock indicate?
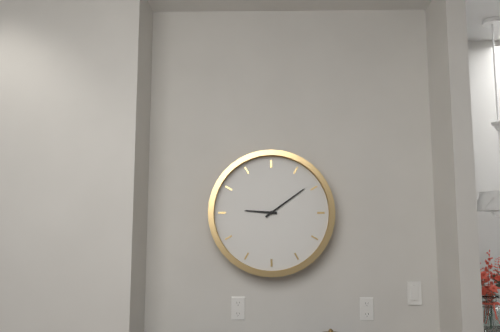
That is h=9 m=9
